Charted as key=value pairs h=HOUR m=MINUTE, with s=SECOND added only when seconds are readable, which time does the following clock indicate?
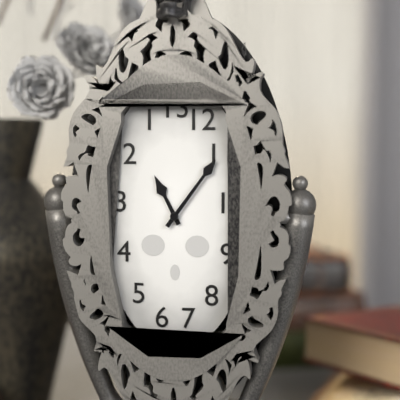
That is h=11 m=6
